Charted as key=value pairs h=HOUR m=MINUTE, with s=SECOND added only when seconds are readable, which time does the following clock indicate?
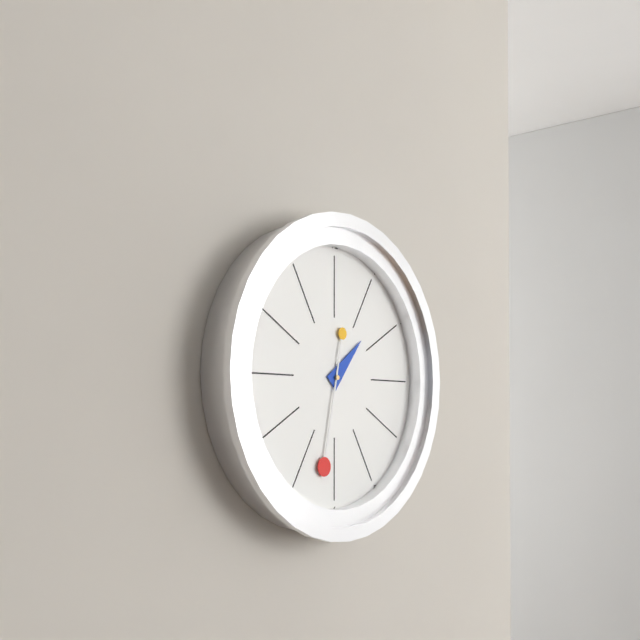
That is h=1 m=32
